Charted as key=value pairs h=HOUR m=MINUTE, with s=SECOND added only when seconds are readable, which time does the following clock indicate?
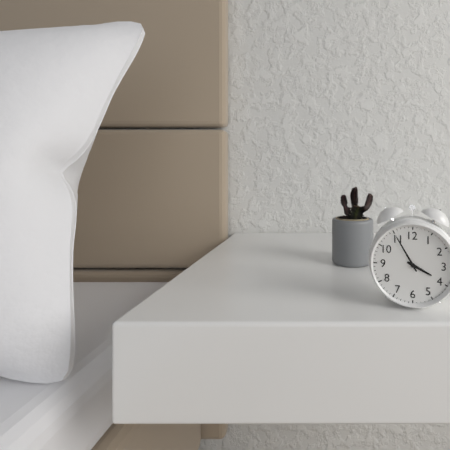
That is h=3 m=55
